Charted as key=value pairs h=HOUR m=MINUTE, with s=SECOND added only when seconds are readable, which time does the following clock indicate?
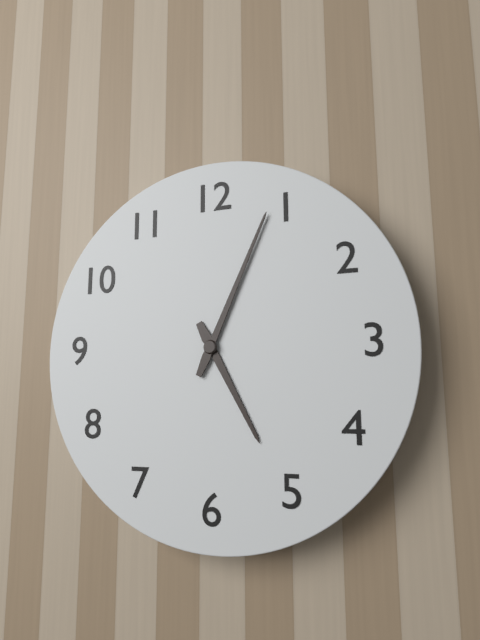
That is h=5 m=4
